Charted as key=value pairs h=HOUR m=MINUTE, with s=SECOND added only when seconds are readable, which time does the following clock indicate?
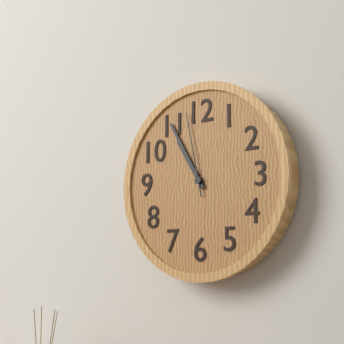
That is h=10 m=55 s=58
